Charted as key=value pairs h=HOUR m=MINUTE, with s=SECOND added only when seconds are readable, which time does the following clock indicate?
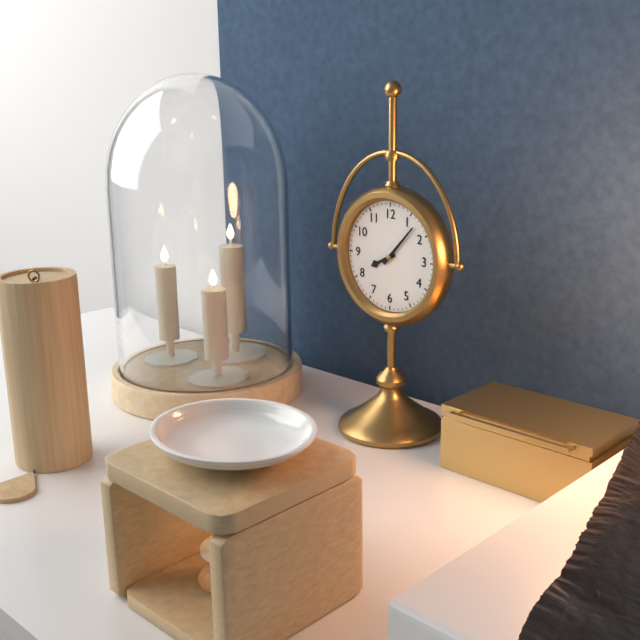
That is h=8 m=7
